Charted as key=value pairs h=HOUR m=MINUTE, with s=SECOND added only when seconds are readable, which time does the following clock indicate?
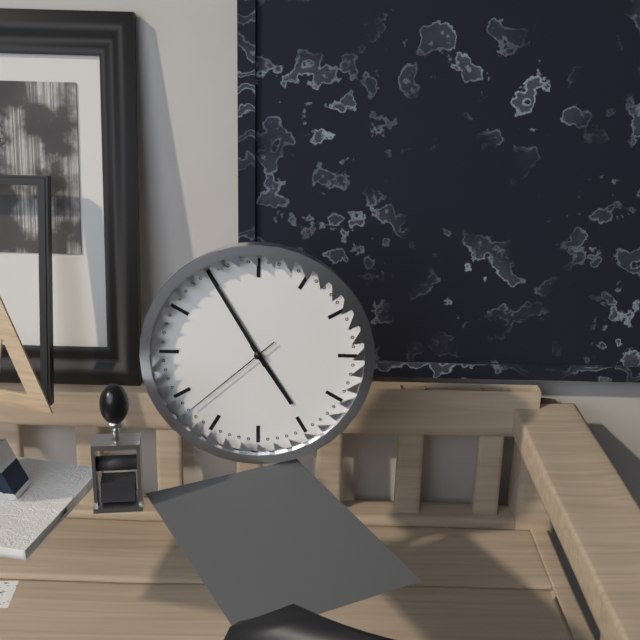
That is h=4 m=55 s=38
